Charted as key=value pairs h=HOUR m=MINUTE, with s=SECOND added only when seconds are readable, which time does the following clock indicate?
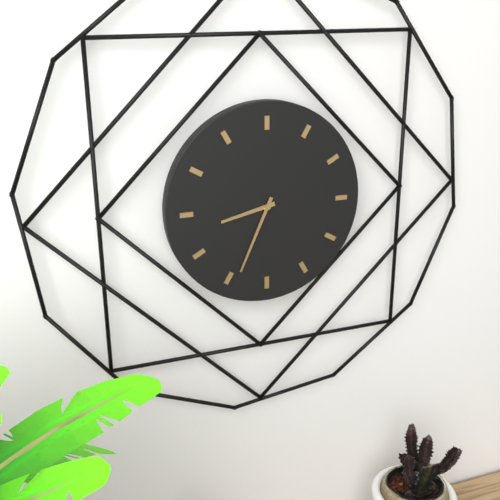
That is h=8 m=34
